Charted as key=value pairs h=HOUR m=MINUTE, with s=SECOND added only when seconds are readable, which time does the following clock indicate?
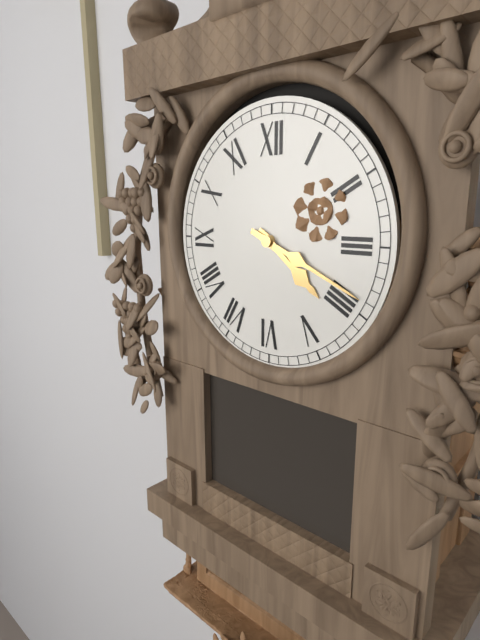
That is h=4 m=19
